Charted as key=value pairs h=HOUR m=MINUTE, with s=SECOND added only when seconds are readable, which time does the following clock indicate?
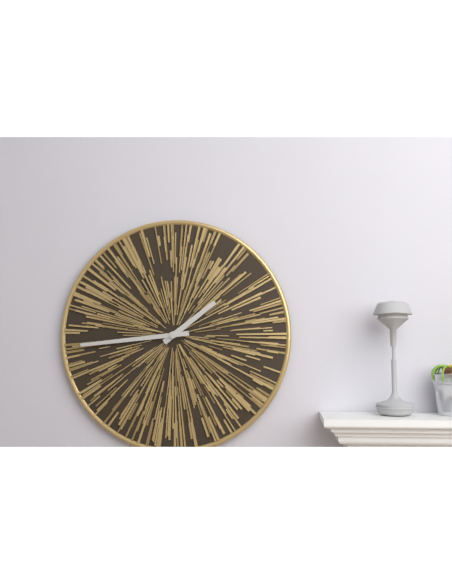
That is h=1 m=44
